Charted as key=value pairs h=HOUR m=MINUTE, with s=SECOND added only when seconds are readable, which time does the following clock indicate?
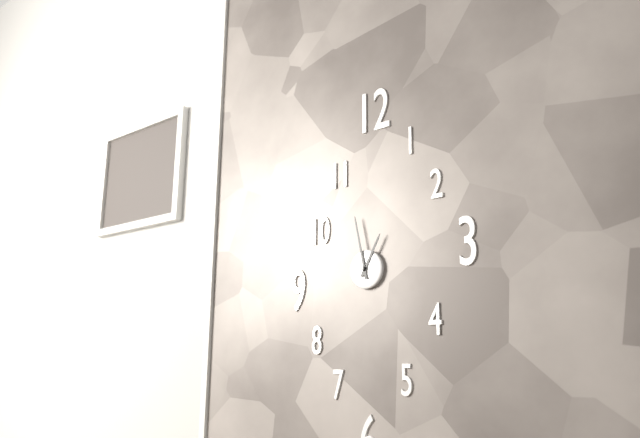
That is h=12 m=58
